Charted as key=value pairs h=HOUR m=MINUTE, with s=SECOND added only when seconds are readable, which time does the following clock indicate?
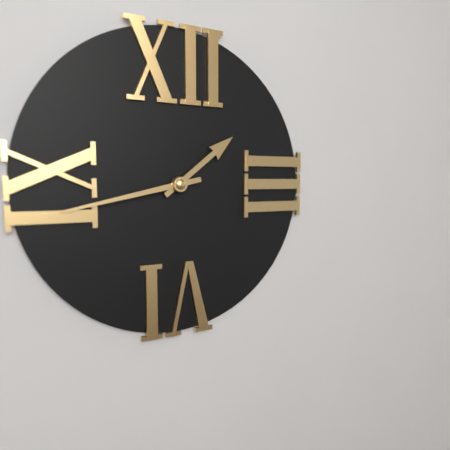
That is h=1 m=43
